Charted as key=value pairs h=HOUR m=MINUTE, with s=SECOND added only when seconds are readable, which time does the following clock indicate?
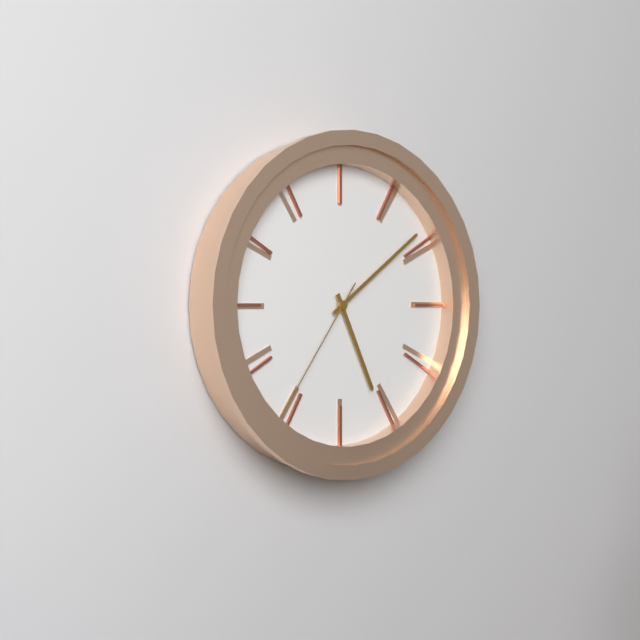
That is h=5 m=9 s=36
